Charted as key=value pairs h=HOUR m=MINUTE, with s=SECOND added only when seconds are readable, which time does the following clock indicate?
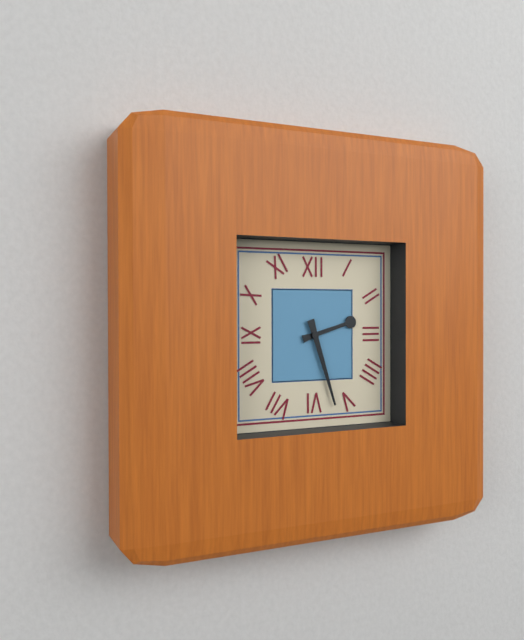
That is h=2 m=27
